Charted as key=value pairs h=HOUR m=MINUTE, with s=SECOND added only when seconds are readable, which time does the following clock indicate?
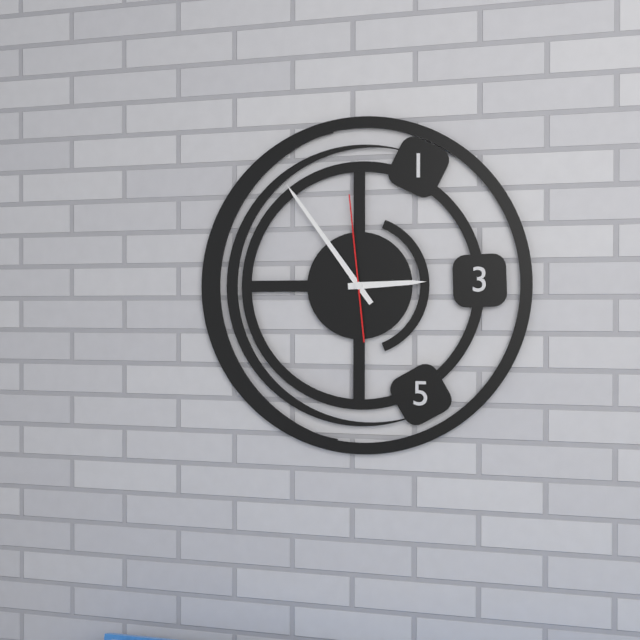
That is h=2 m=54 s=59
